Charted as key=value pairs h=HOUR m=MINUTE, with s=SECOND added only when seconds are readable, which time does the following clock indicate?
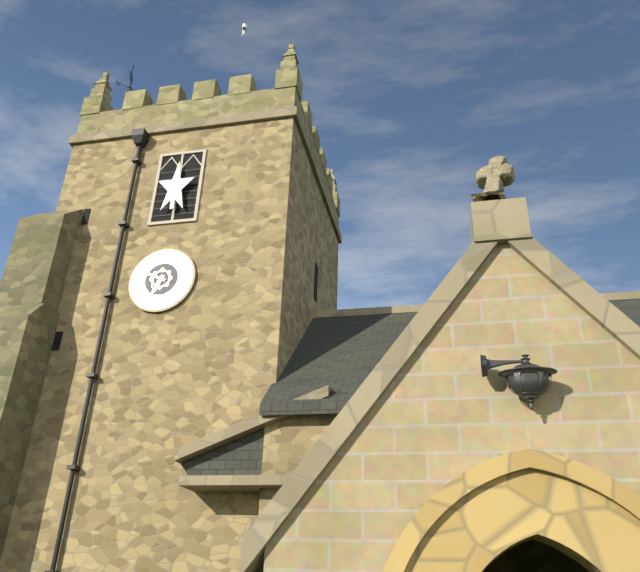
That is h=6 m=49
